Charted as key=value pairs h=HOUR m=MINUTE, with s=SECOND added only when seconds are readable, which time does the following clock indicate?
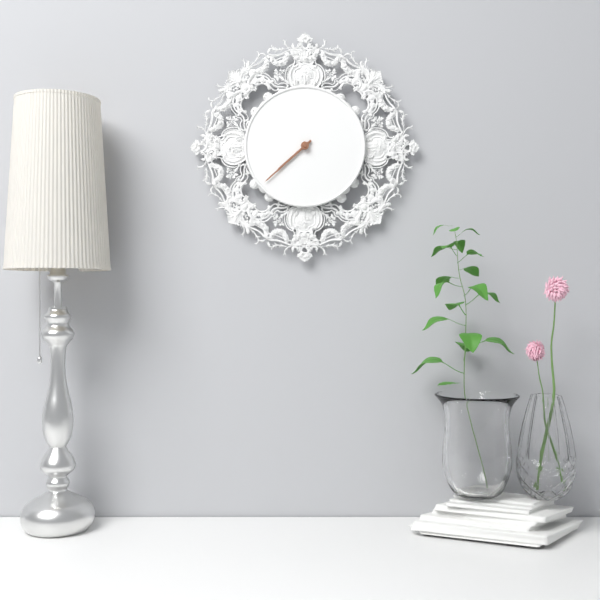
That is h=7 m=38
